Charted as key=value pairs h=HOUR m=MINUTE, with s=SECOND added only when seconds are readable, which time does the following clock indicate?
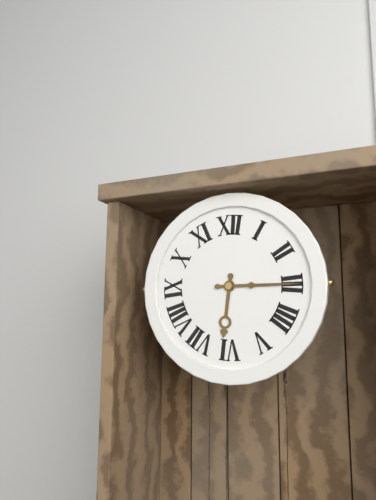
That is h=6 m=15
